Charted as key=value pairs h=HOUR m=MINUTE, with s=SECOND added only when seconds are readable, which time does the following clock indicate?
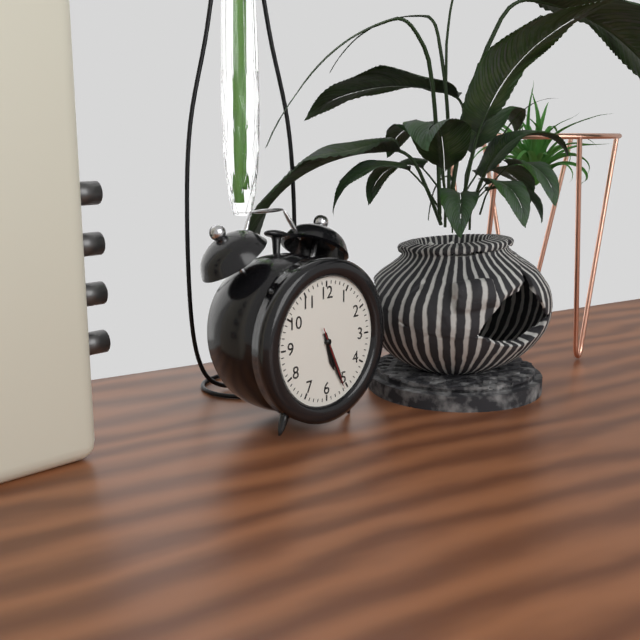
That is h=5 m=26 s=26
